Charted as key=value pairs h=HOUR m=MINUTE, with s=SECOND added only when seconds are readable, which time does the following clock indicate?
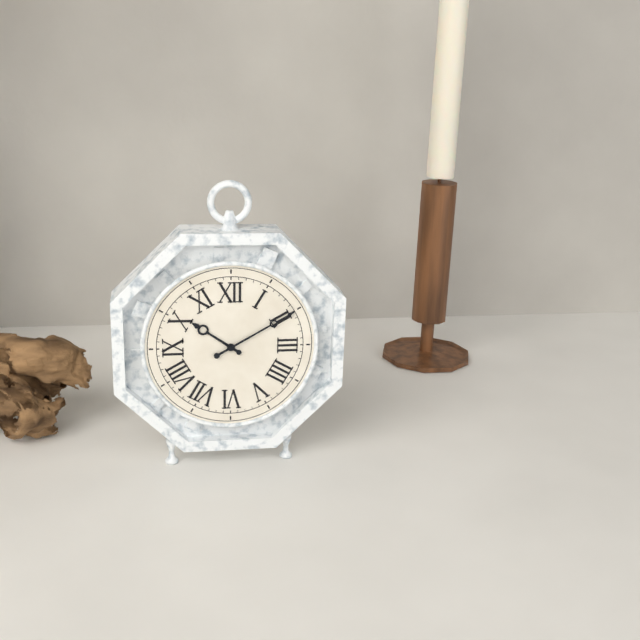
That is h=10 m=10
